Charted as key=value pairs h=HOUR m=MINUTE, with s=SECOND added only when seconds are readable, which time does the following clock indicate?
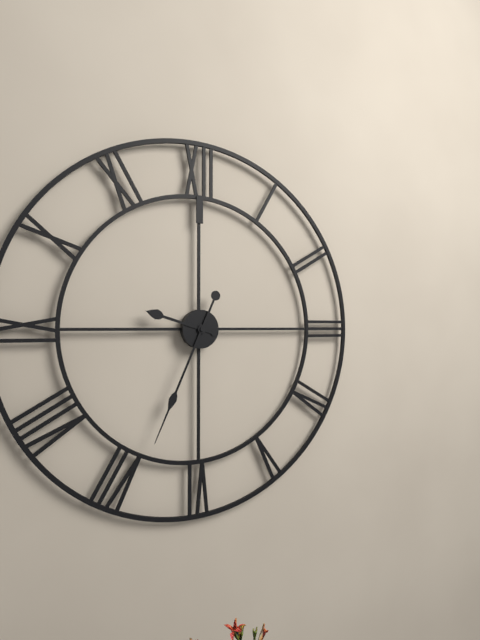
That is h=9 m=34
